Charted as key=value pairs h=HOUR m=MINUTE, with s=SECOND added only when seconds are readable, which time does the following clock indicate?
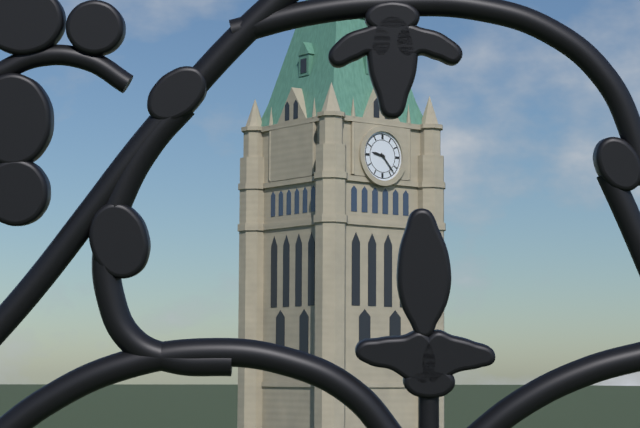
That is h=9 m=23
